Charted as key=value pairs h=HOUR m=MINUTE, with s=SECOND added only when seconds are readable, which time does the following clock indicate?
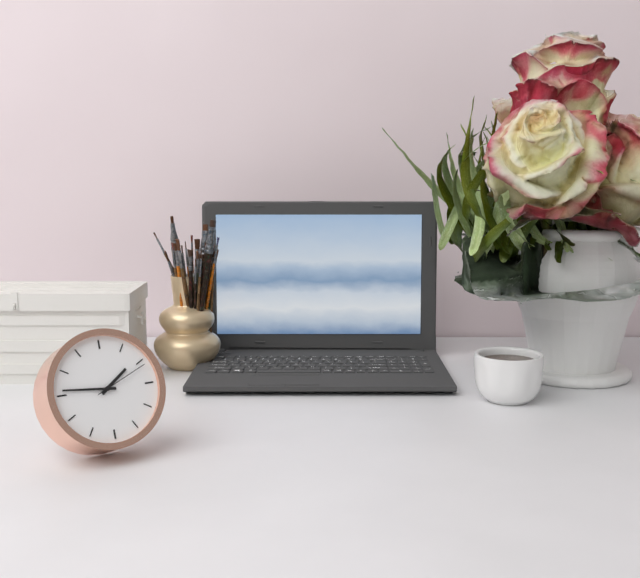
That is h=1 m=46 s=11
